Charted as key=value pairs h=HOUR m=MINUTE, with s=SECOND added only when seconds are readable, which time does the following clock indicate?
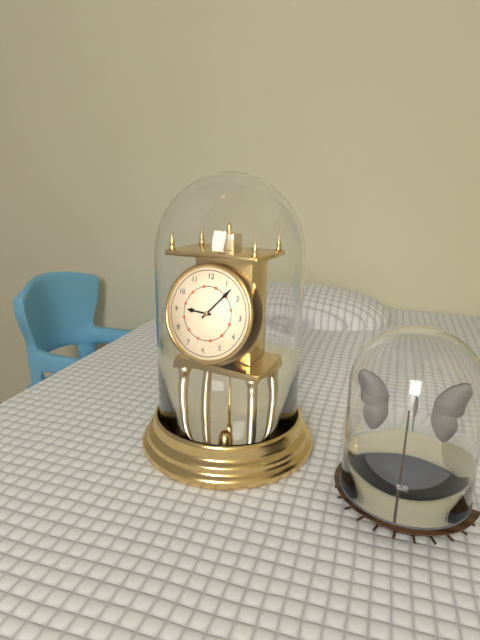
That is h=9 m=7
